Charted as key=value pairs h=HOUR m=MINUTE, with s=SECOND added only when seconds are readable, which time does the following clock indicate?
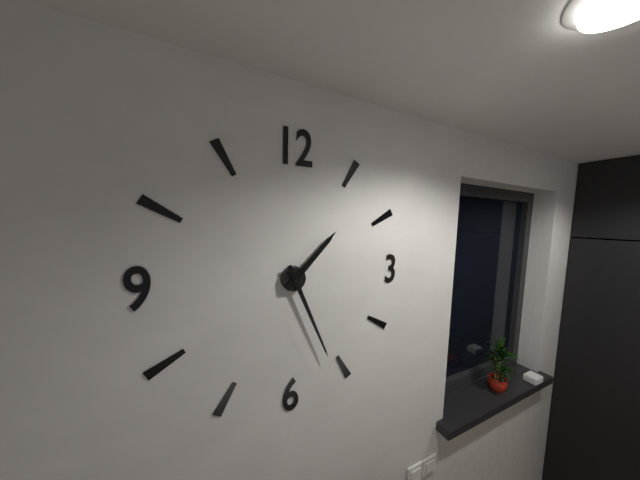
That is h=1 m=26
